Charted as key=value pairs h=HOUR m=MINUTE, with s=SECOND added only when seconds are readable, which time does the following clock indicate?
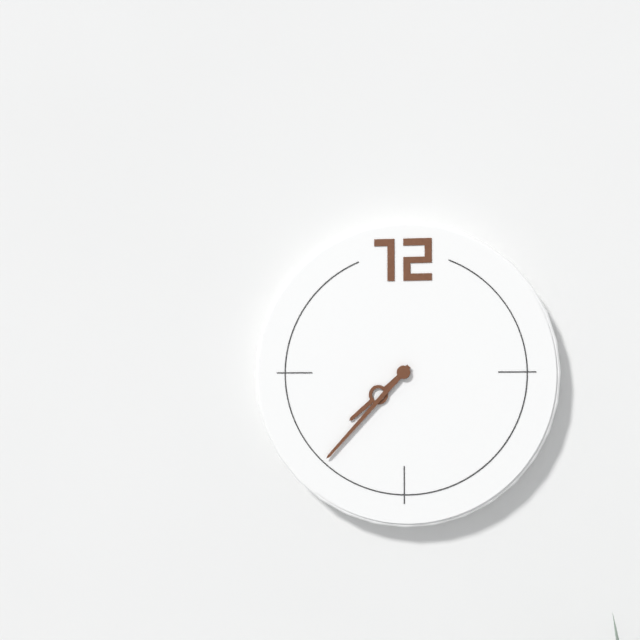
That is h=7 m=37
